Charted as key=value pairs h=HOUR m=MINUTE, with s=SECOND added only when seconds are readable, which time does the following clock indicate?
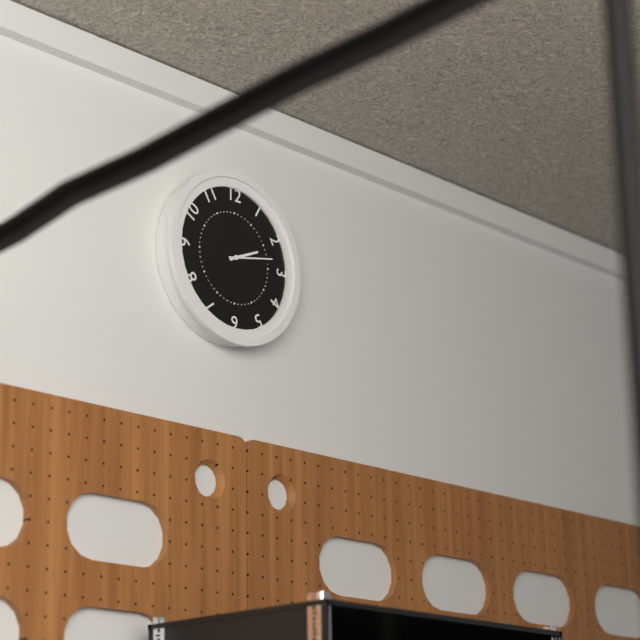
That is h=2 m=13
